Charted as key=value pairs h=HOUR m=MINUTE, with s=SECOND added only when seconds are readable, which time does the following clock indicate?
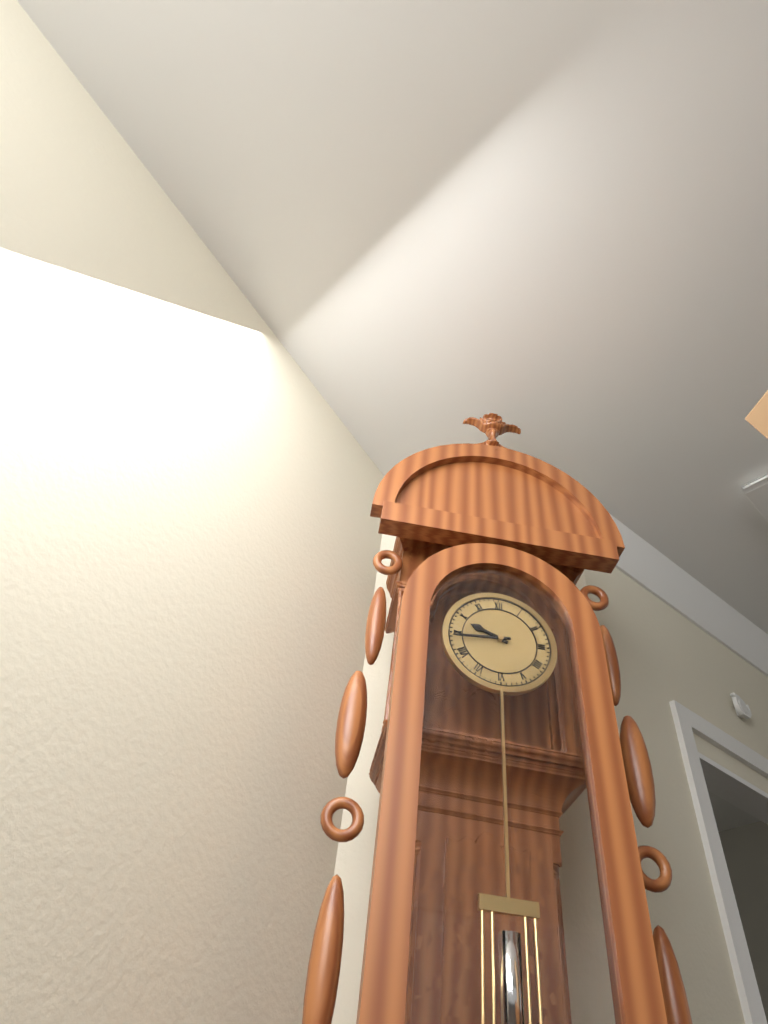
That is h=9 m=44
